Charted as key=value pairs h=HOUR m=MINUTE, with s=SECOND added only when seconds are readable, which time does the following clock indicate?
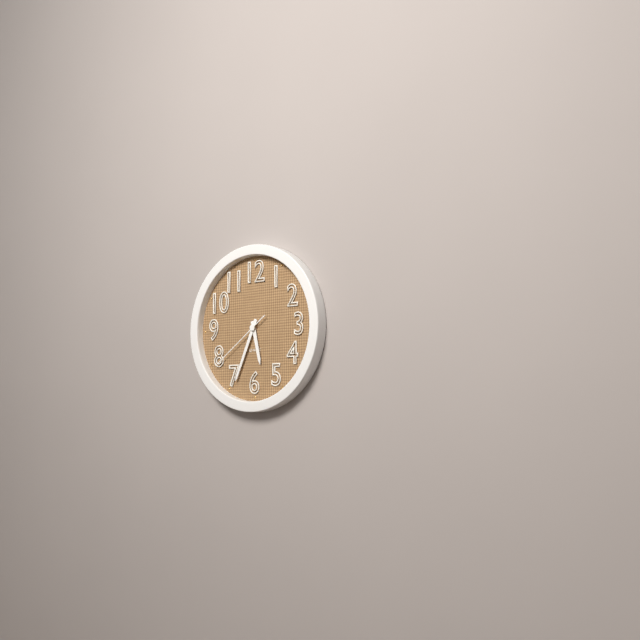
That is h=5 m=34 s=39
